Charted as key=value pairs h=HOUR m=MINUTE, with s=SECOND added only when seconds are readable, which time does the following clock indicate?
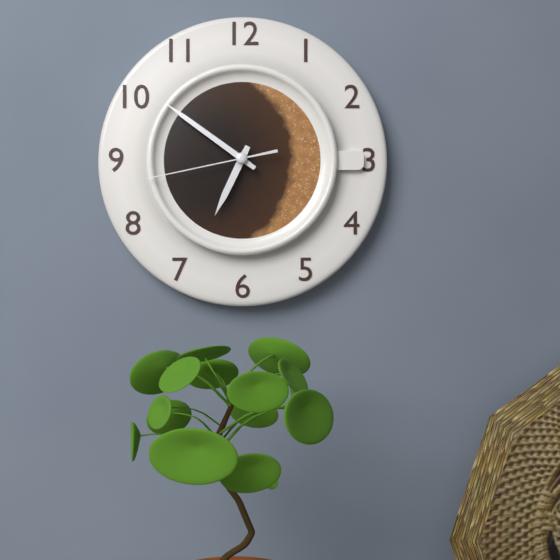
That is h=6 m=51 s=43
